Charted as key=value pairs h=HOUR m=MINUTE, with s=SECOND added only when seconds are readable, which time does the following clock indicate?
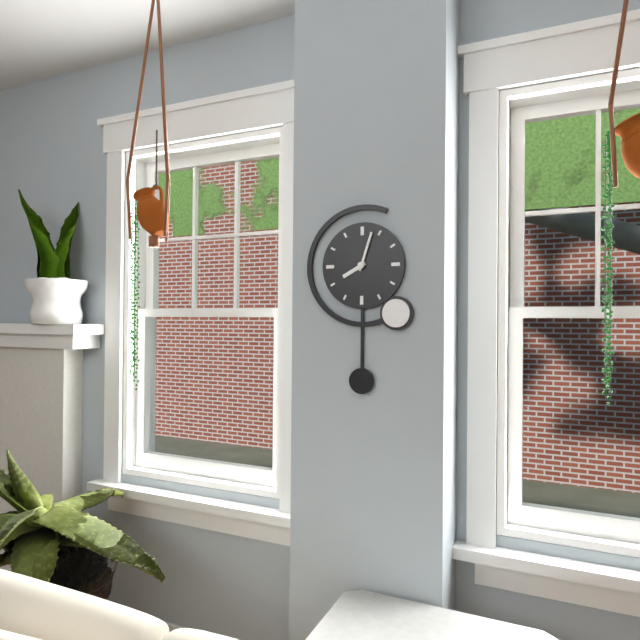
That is h=8 m=3
